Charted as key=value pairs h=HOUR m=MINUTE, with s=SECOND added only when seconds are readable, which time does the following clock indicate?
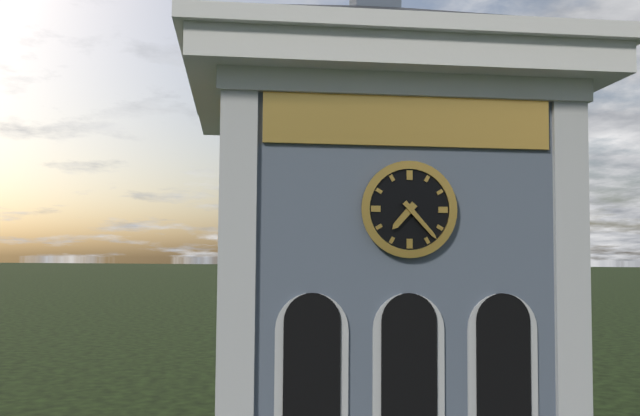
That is h=7 m=23
